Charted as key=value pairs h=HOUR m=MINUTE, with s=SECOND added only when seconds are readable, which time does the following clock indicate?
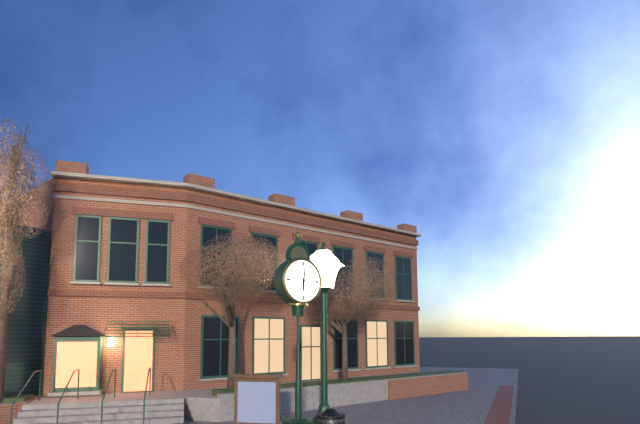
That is h=6 m=1
